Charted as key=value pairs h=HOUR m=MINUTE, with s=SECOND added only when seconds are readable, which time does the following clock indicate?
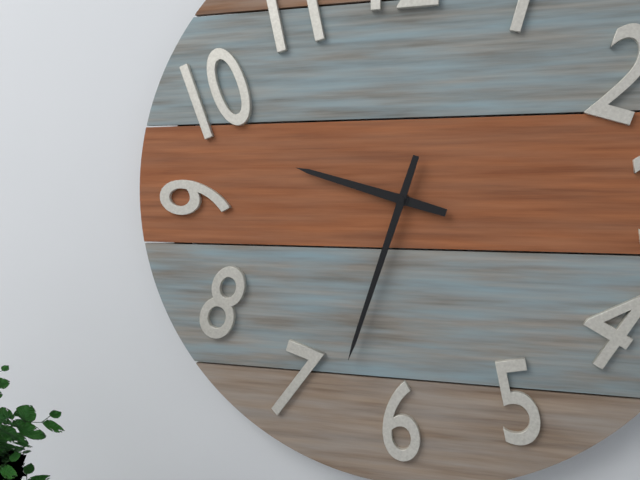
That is h=9 m=33
